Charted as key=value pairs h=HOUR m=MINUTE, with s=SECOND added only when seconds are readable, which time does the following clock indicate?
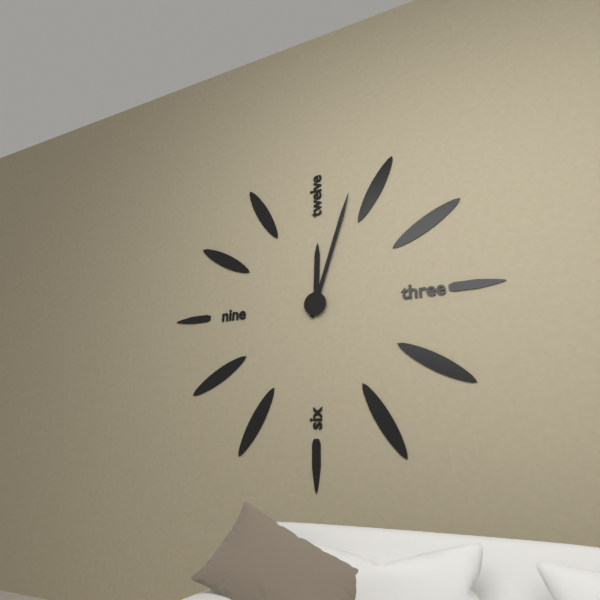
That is h=12 m=3
